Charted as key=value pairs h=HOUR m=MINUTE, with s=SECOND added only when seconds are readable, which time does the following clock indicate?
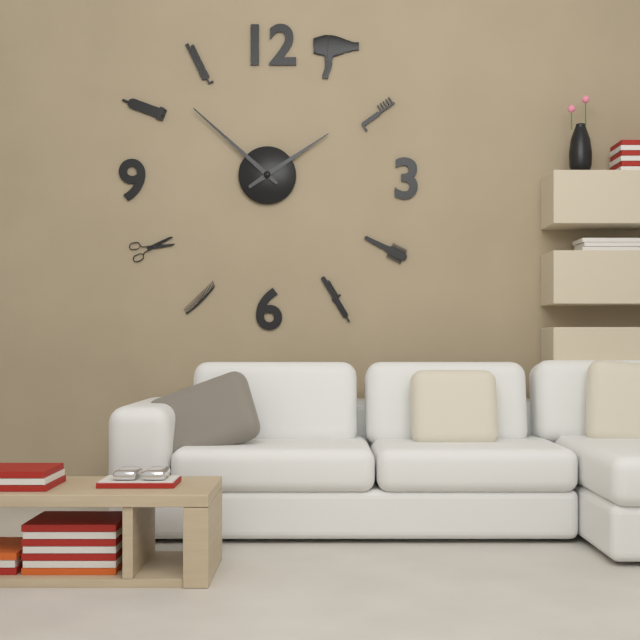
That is h=1 m=52
